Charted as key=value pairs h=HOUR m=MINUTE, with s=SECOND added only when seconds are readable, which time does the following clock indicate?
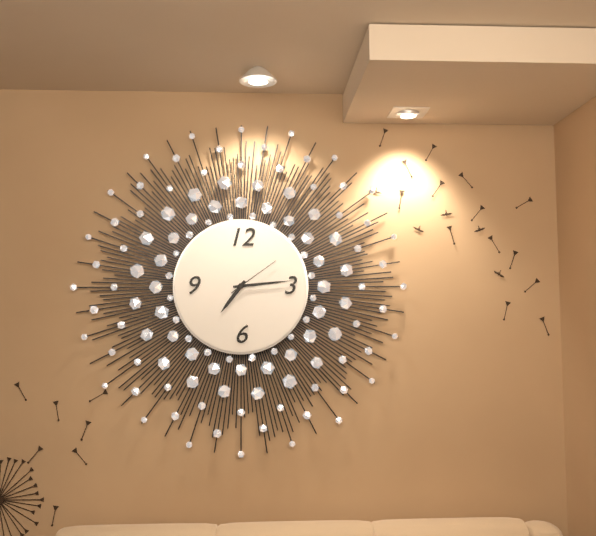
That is h=7 m=14 s=9
